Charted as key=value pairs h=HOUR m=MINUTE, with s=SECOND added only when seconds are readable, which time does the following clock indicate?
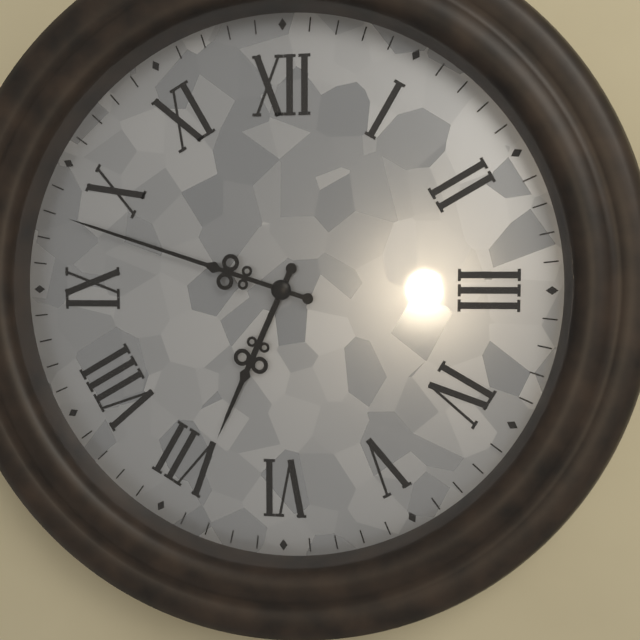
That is h=6 m=48
